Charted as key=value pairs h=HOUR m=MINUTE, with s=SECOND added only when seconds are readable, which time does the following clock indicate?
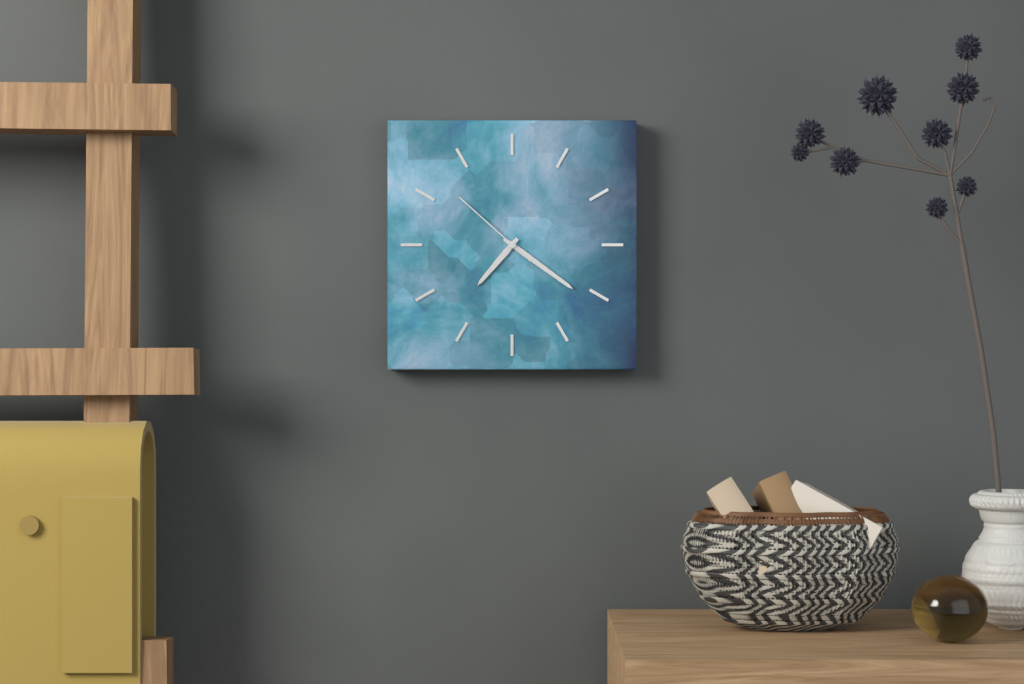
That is h=7 m=21 s=52
